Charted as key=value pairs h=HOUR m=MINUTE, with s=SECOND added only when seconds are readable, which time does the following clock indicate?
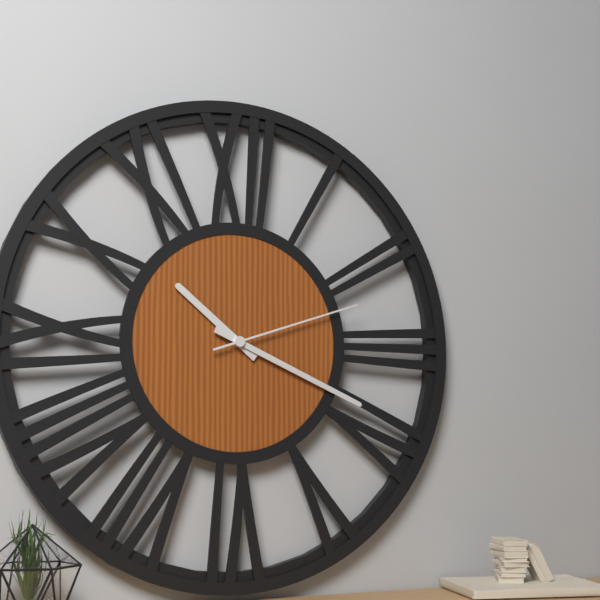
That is h=10 m=19 s=12
